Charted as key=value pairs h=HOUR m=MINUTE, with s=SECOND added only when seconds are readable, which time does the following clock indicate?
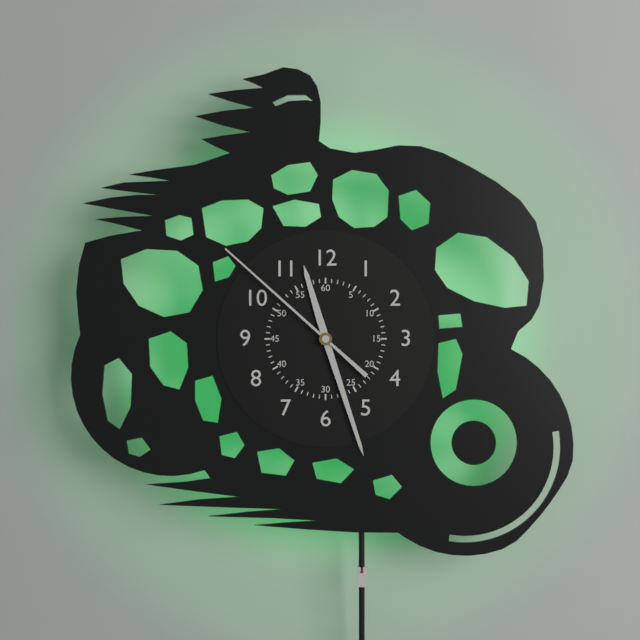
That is h=11 m=27 s=52
